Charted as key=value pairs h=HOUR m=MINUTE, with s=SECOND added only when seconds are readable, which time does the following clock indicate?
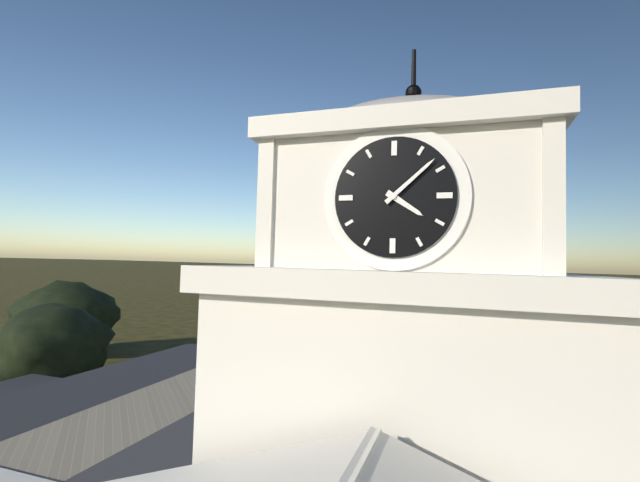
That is h=4 m=8
